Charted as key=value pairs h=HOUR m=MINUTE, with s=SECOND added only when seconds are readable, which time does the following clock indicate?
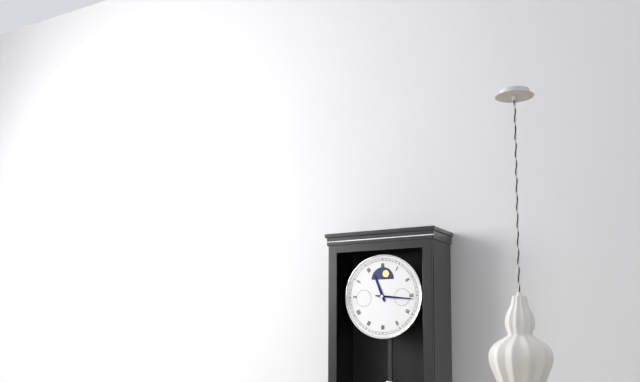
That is h=11 m=16
